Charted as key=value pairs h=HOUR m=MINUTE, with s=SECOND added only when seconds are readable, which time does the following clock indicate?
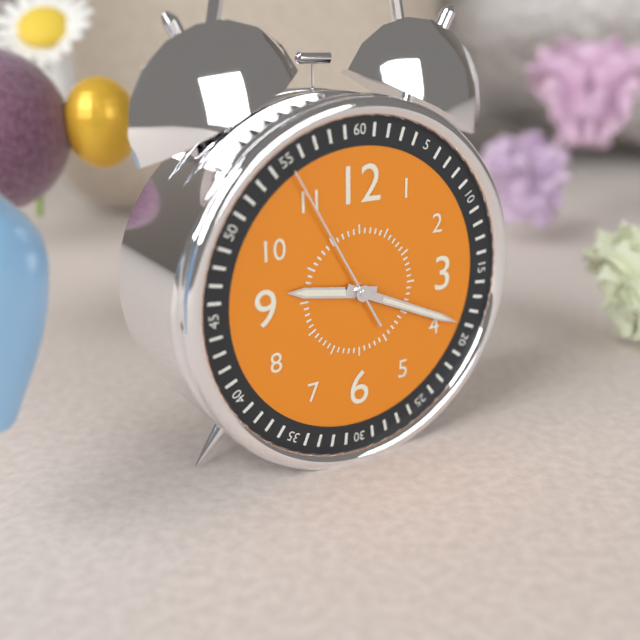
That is h=9 m=19 s=55
